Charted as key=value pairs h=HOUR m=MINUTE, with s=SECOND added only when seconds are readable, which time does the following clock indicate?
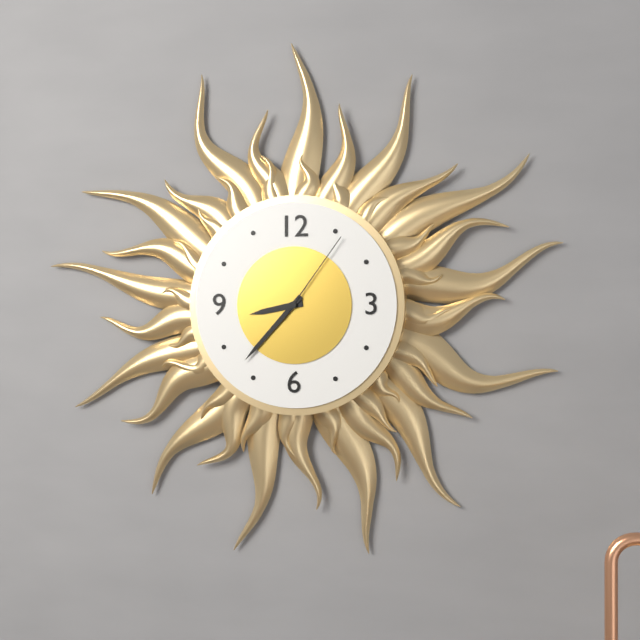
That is h=8 m=37 s=6
